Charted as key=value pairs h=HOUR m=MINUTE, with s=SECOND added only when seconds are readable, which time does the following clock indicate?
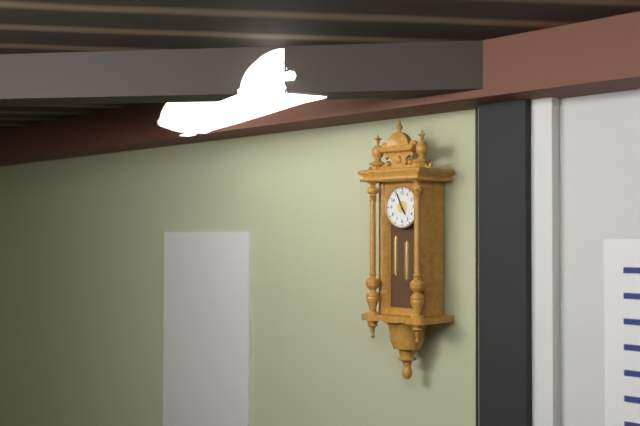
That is h=4 m=56
